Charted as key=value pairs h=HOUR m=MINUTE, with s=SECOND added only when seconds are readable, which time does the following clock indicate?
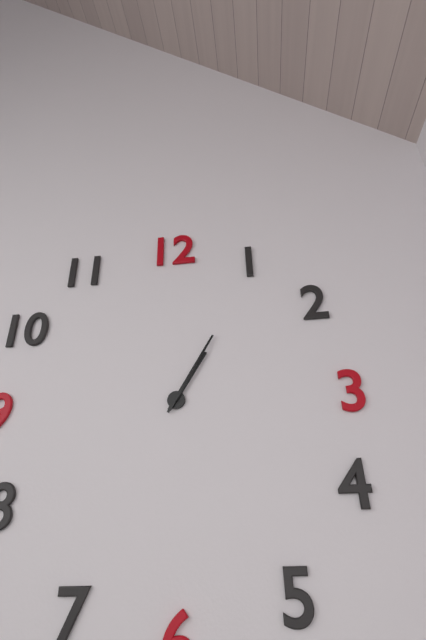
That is h=1 m=5
